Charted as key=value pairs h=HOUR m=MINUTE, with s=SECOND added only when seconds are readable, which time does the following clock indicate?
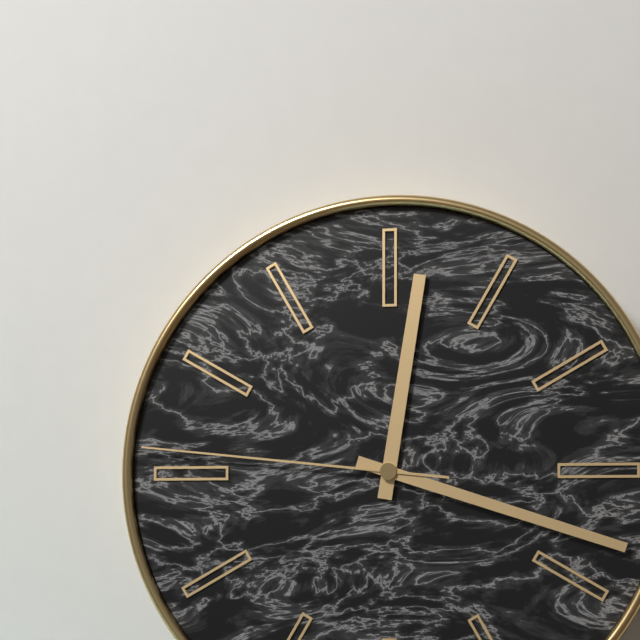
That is h=12 m=18 s=46
